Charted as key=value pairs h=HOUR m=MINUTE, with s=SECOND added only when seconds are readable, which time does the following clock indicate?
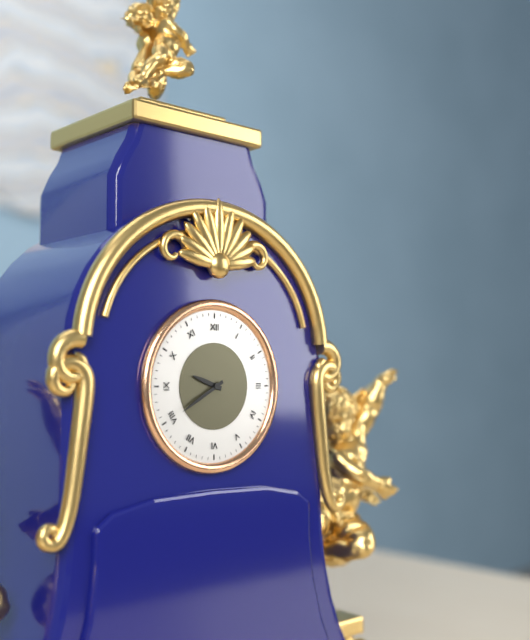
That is h=9 m=40
